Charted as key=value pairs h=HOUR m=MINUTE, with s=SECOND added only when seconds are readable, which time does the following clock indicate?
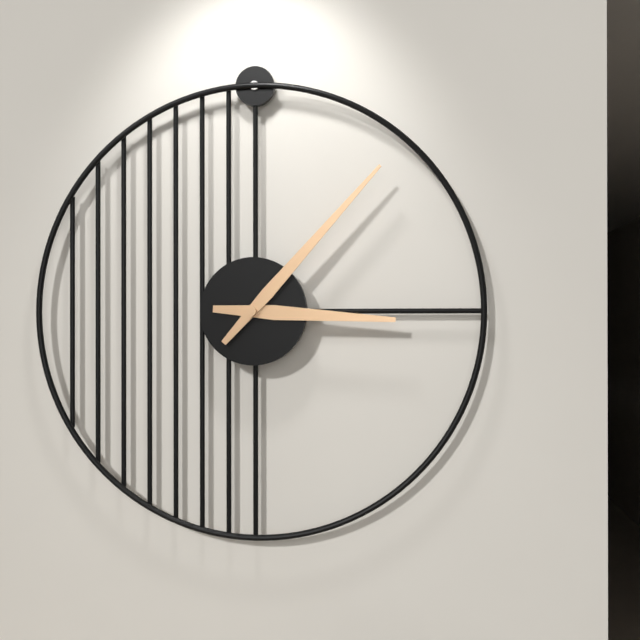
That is h=3 m=7
